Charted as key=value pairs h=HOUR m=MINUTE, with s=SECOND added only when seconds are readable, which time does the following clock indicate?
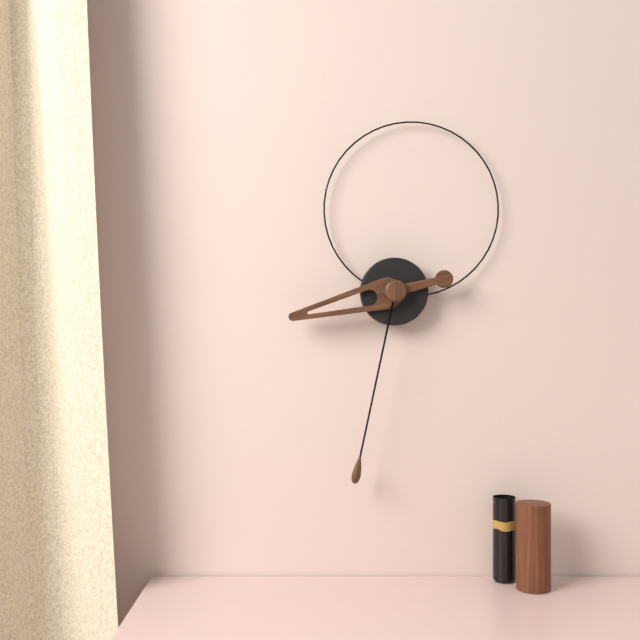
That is h=8 m=32
